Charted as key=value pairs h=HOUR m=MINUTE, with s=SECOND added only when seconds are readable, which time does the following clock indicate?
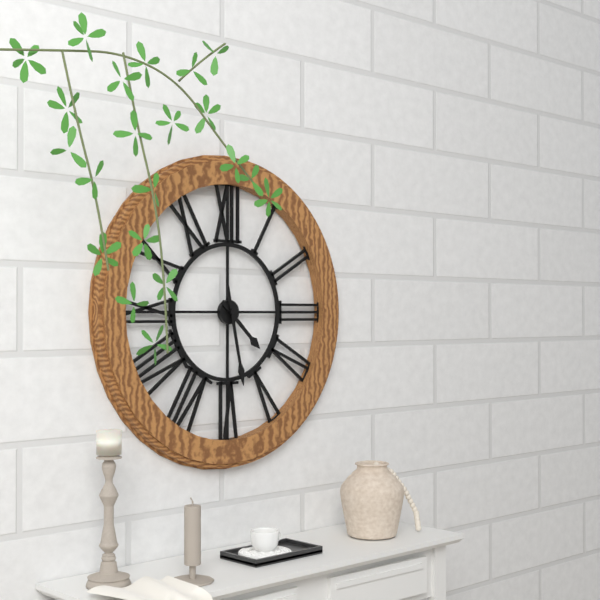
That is h=4 m=28
